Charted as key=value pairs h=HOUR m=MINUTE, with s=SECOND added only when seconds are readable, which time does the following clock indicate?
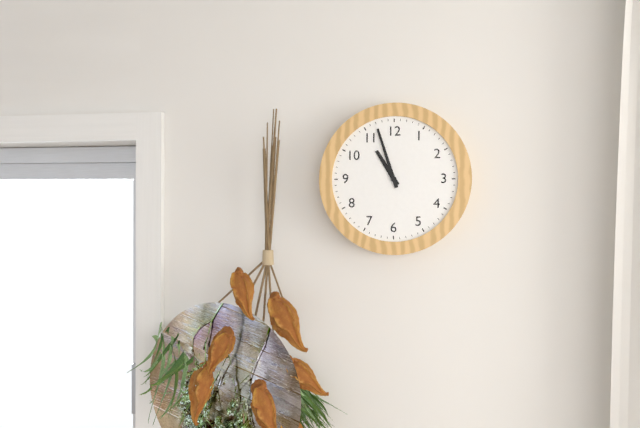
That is h=10 m=57
